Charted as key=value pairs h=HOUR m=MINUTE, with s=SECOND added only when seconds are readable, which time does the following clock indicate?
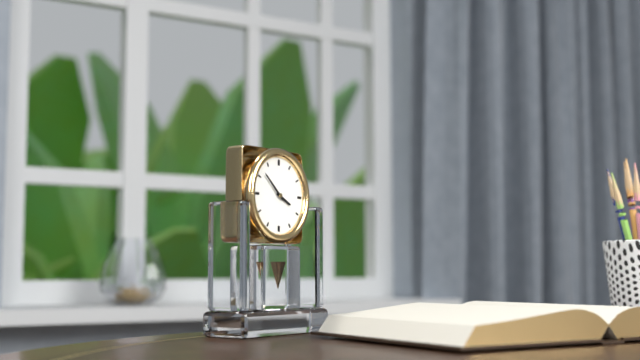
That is h=3 m=52
